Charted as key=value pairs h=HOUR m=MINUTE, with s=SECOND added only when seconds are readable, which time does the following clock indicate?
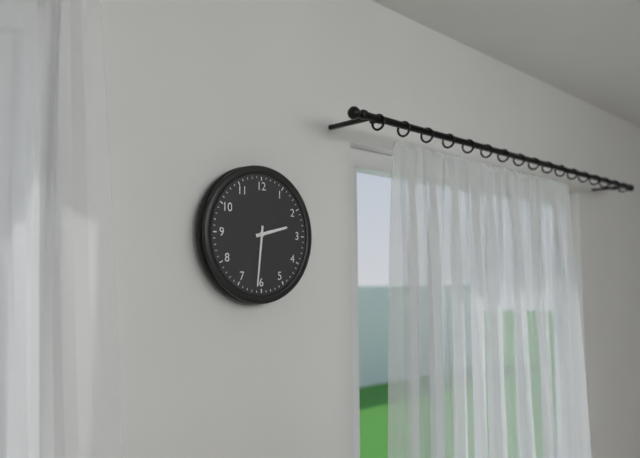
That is h=2 m=31
